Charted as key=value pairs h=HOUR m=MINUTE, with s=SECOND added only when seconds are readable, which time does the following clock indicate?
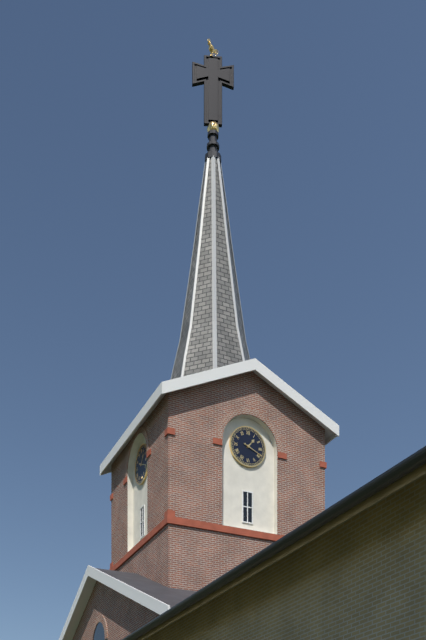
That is h=1 m=19
